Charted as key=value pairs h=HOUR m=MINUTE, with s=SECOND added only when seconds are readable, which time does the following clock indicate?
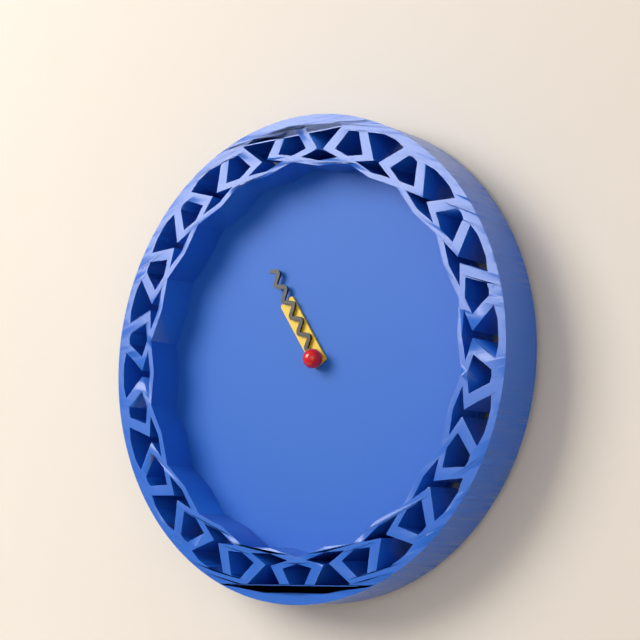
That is h=10 m=55
